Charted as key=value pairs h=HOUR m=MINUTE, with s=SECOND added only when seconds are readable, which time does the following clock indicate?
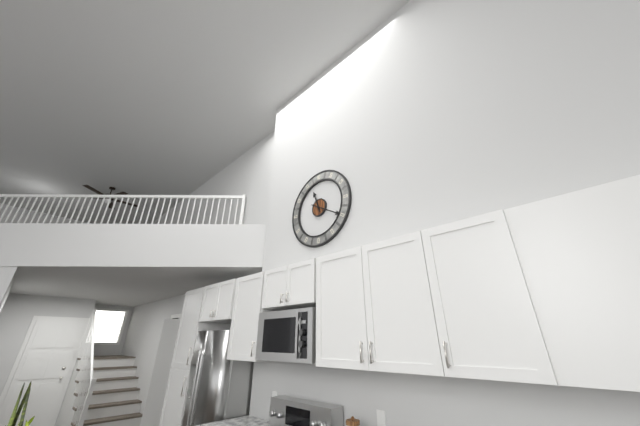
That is h=11 m=20
